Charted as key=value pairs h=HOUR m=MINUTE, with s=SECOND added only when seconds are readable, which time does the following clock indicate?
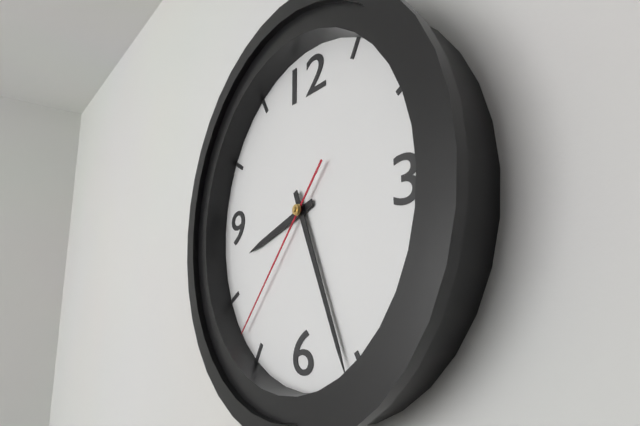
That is h=8 m=26 s=37
